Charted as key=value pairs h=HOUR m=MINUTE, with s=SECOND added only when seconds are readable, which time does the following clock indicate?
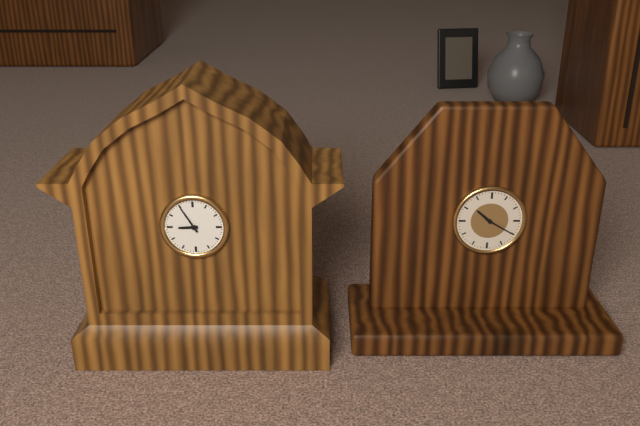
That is h=8 m=55
